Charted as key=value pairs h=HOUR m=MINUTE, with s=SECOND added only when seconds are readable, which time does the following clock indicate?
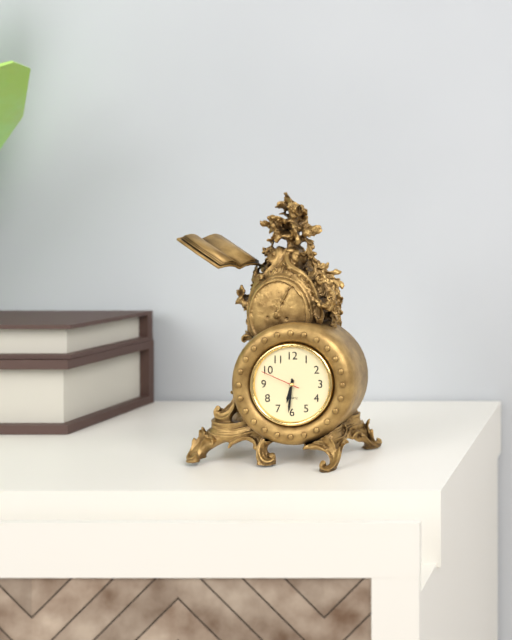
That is h=6 m=31
